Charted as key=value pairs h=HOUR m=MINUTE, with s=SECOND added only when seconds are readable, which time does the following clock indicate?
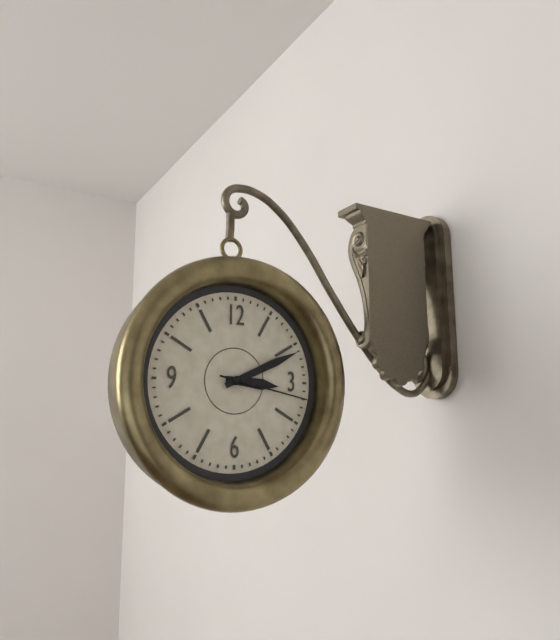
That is h=3 m=11 s=17
